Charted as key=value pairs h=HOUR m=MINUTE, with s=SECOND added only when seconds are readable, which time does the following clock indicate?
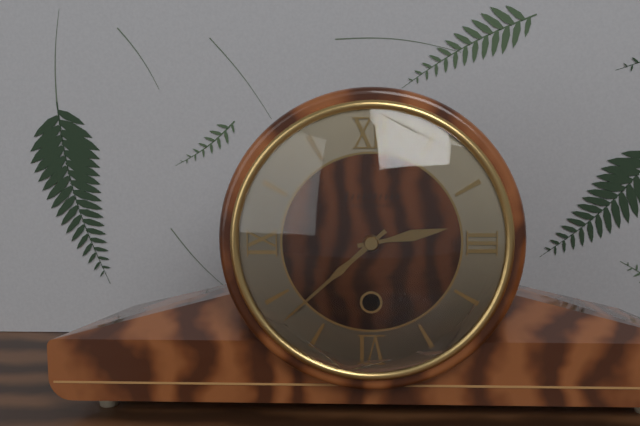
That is h=2 m=38
